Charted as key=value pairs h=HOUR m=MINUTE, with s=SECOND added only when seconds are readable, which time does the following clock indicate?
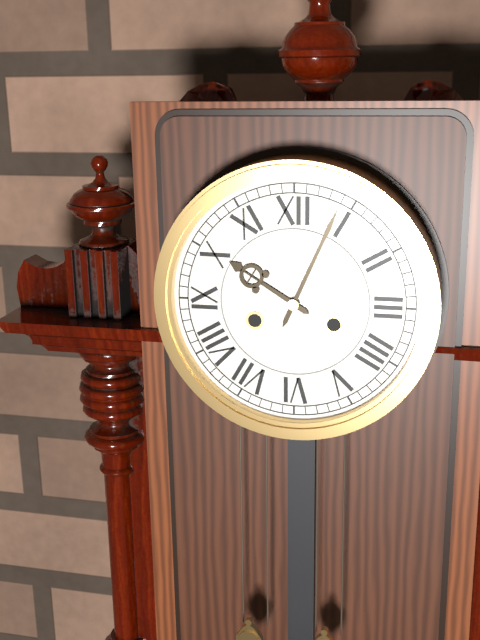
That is h=10 m=4
